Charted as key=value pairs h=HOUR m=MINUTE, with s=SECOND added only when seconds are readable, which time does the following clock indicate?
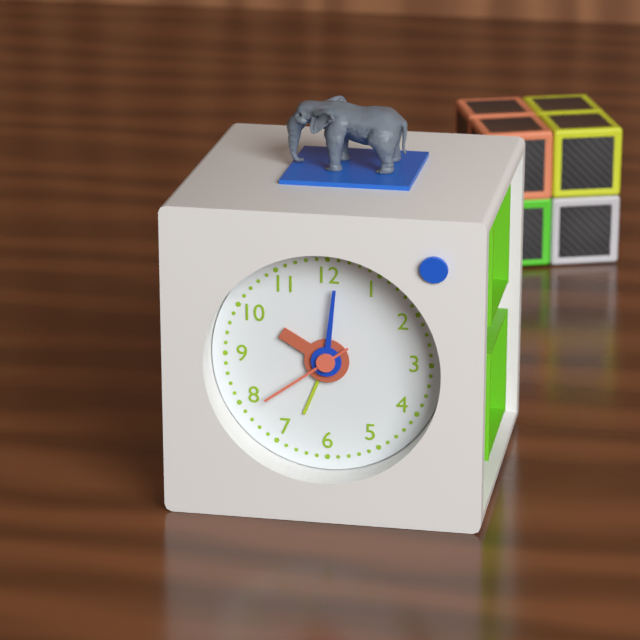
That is h=10 m=1 s=39
